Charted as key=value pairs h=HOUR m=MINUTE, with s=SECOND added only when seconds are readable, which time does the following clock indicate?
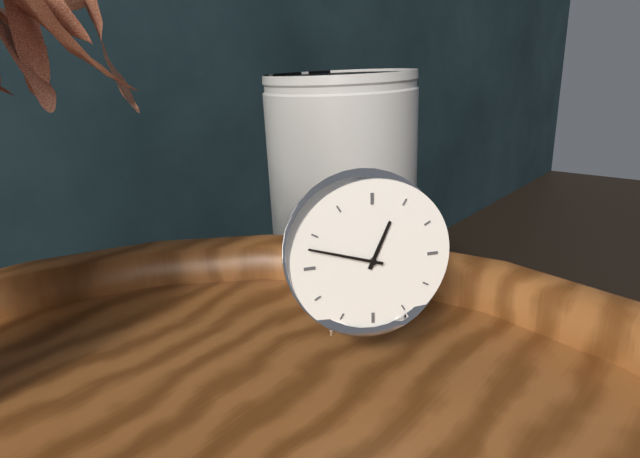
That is h=12 m=48
